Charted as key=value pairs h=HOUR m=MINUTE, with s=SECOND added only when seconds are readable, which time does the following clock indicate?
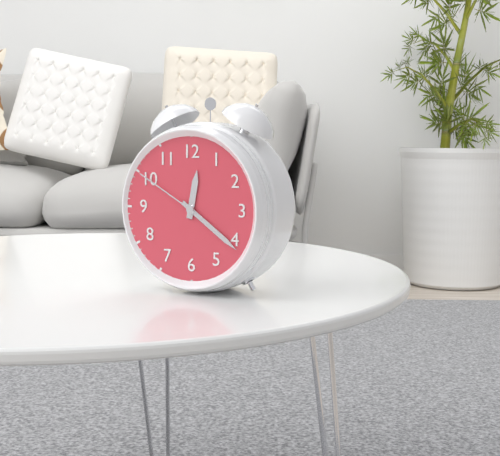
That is h=12 m=21 s=50
